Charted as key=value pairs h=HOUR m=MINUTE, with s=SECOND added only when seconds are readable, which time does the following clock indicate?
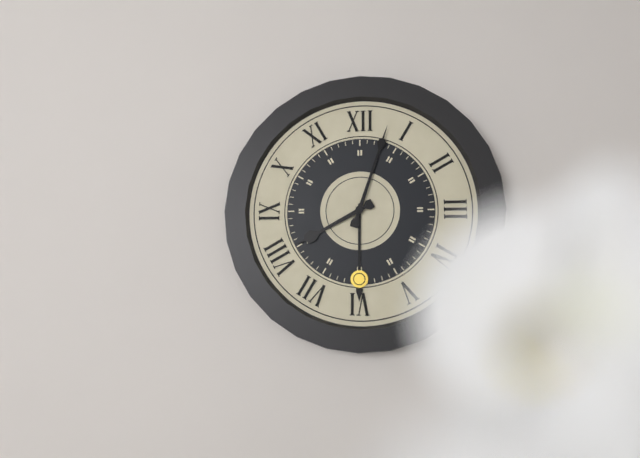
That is h=8 m=3
